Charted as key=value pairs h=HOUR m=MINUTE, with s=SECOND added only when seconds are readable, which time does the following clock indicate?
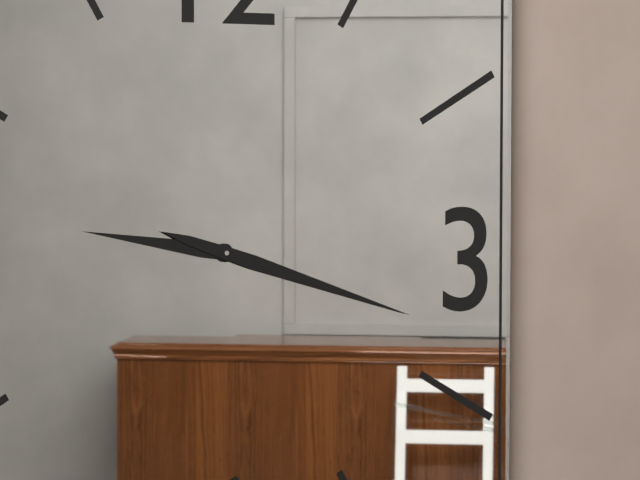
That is h=9 m=18
